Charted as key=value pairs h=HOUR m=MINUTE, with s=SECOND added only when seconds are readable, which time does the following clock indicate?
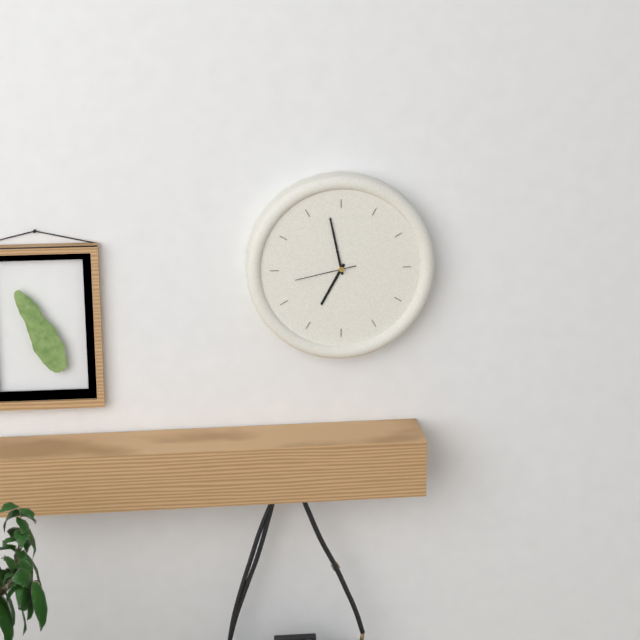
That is h=6 m=58 s=43
